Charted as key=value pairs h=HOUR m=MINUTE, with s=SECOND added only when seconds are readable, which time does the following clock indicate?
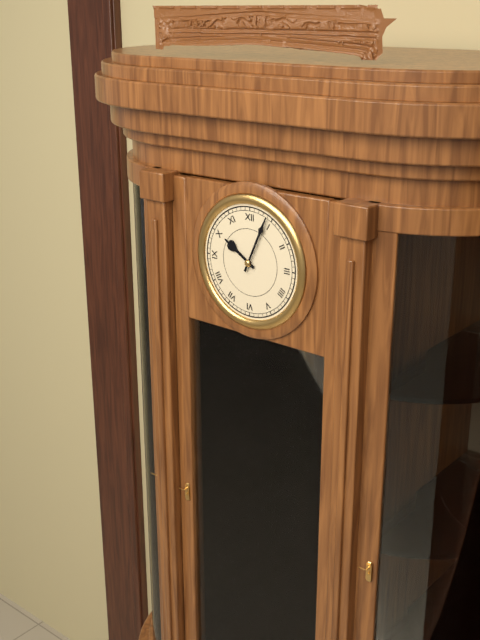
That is h=10 m=4
